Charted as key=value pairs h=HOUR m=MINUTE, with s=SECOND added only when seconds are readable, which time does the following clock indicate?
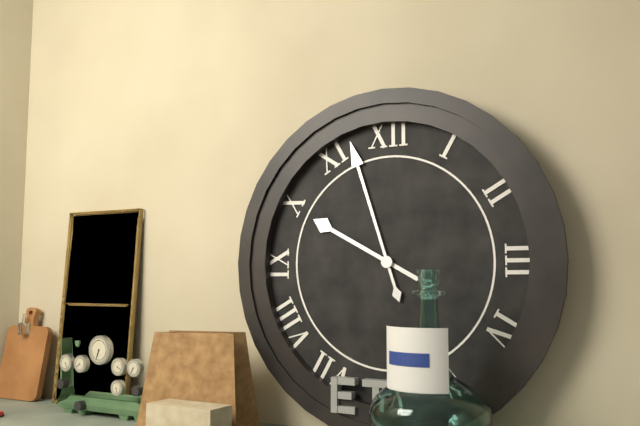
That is h=9 m=57
